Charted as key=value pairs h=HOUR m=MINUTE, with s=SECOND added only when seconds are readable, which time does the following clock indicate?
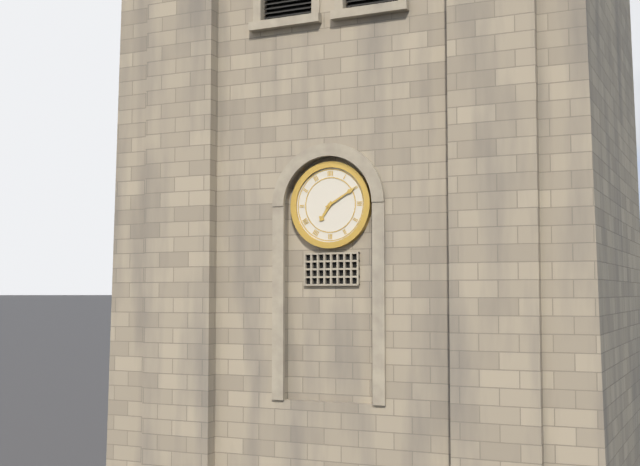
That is h=7 m=10
